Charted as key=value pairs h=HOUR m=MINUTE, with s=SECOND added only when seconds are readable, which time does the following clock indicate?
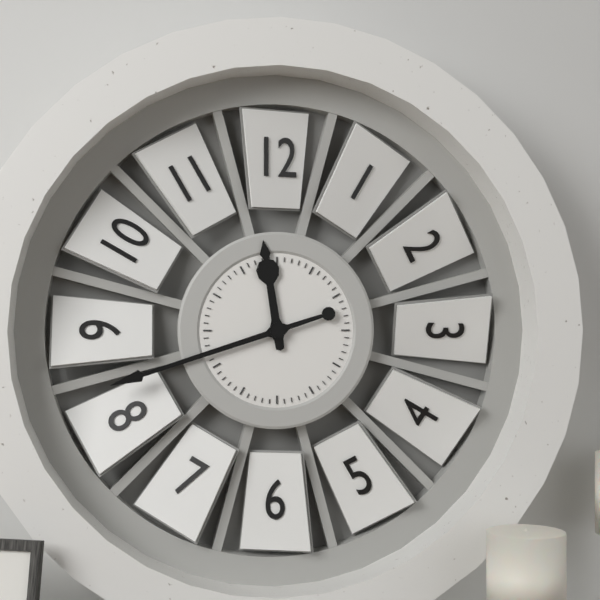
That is h=11 m=42
